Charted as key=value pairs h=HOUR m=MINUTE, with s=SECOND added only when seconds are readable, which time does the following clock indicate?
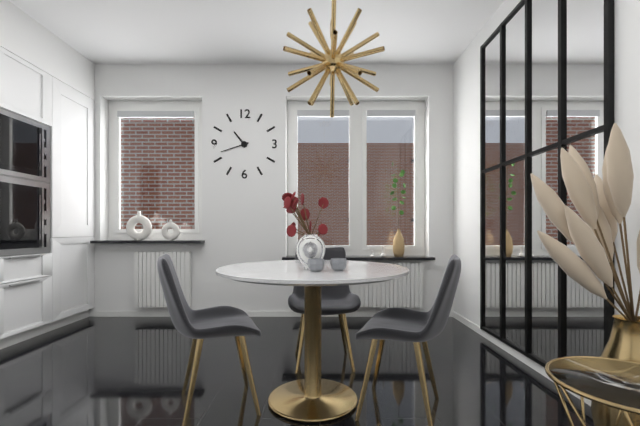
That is h=10 m=42
